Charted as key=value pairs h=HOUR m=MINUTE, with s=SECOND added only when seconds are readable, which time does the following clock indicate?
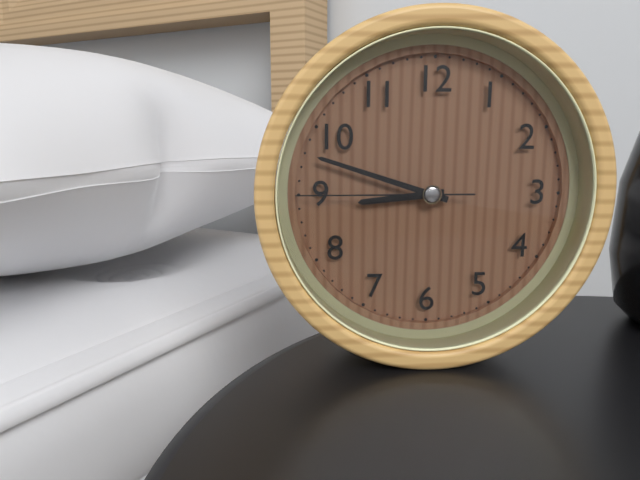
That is h=8 m=48 s=45
